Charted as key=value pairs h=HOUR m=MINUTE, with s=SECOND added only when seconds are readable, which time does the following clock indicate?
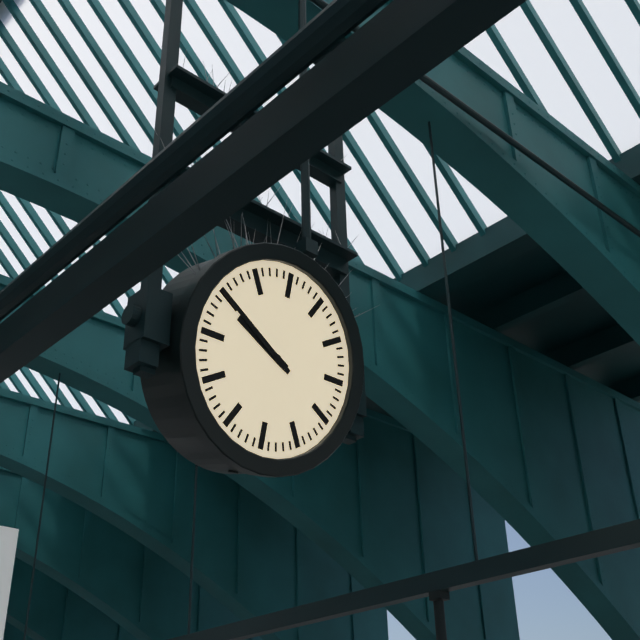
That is h=9 m=50
